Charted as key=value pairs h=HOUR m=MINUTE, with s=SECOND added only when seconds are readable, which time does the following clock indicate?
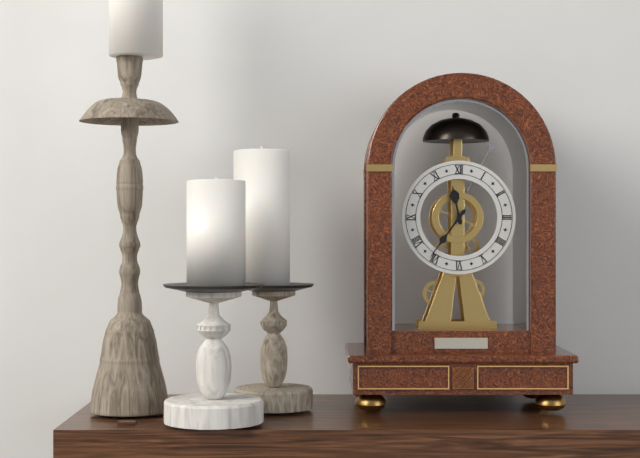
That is h=11 m=36
